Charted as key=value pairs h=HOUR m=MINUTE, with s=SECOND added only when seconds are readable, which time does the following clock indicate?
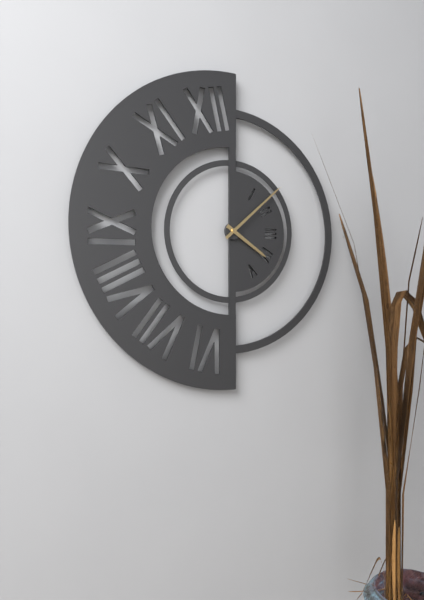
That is h=4 m=8
